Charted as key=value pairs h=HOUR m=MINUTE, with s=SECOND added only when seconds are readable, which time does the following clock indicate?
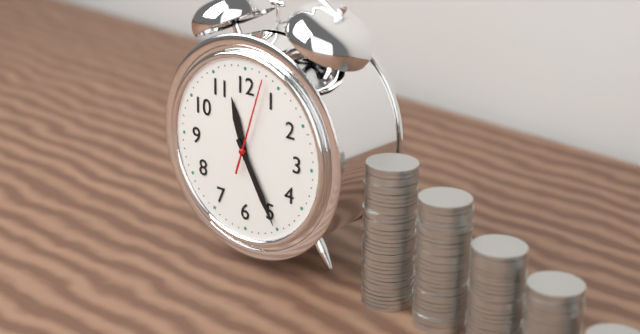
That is h=11 m=25 s=3
